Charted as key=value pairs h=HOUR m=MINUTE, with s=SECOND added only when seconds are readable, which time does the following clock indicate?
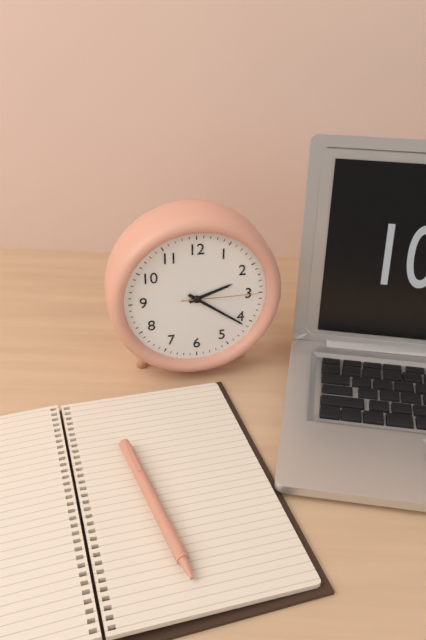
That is h=2 m=21 s=15
